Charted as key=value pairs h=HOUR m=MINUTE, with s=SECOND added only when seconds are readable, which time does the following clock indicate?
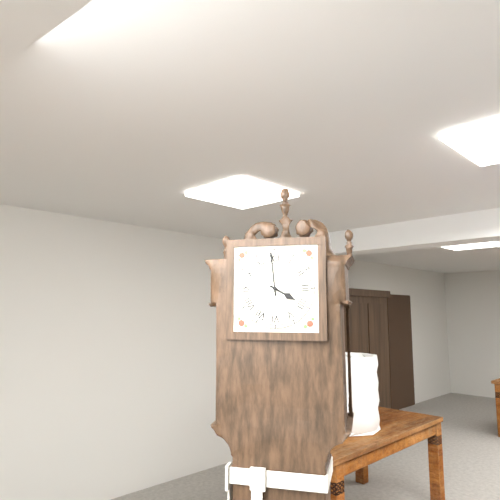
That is h=3 m=59
